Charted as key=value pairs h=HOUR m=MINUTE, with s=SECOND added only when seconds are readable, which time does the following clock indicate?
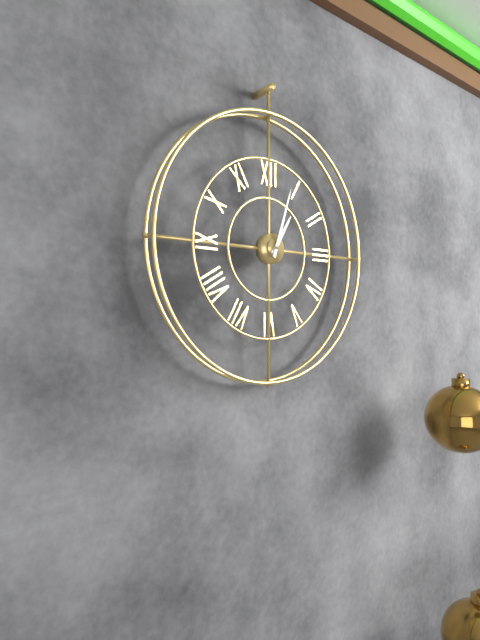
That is h=1 m=3
